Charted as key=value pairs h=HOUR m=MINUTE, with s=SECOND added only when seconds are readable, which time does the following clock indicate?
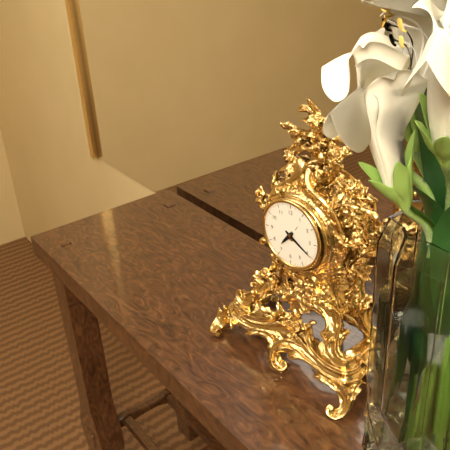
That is h=7 m=20
